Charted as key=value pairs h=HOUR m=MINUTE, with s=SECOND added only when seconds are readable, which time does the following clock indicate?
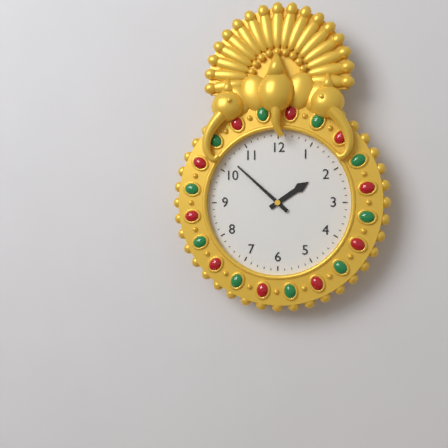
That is h=1 m=52
